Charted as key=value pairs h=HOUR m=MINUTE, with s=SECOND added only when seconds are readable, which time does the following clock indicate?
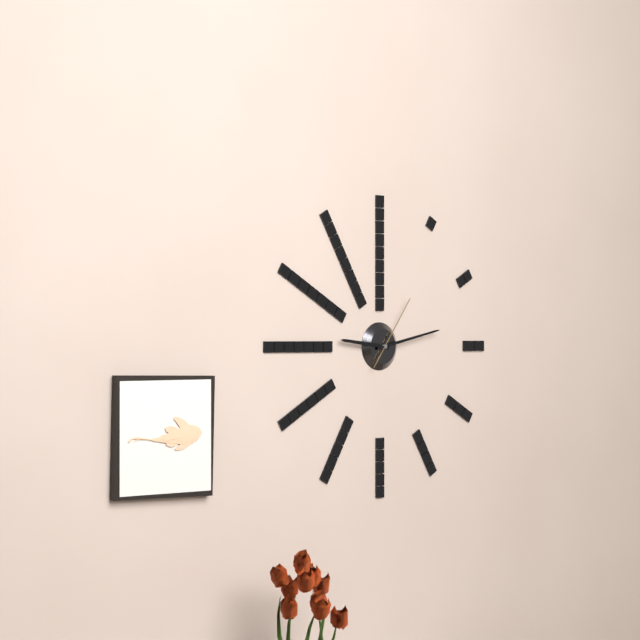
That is h=9 m=13 s=6
